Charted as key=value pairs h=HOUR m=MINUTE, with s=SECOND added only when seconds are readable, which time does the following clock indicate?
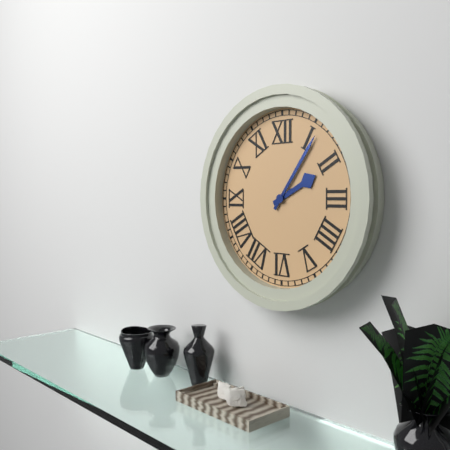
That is h=2 m=6
